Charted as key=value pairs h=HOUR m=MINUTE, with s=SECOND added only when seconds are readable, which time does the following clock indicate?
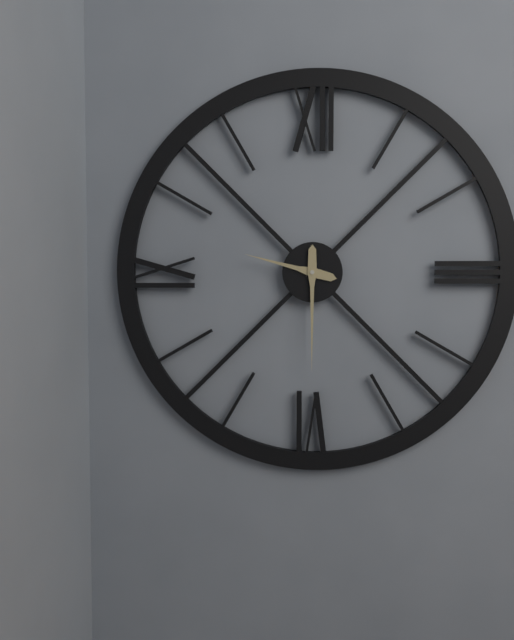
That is h=9 m=30
